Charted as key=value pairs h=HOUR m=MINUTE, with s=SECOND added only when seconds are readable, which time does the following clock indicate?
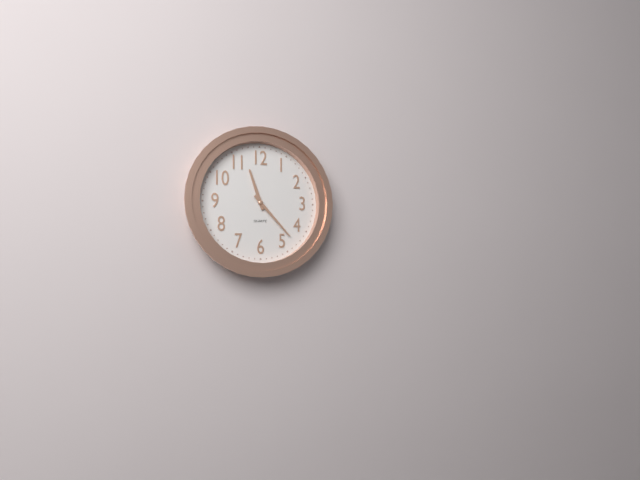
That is h=11 m=23
